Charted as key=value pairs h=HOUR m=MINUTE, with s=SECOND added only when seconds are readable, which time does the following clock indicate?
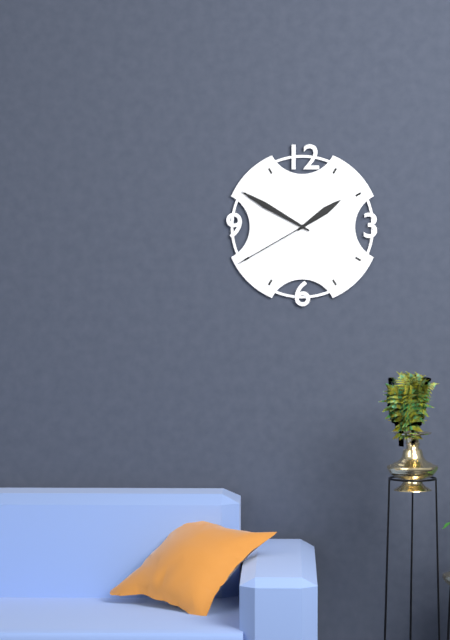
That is h=1 m=50 s=40
